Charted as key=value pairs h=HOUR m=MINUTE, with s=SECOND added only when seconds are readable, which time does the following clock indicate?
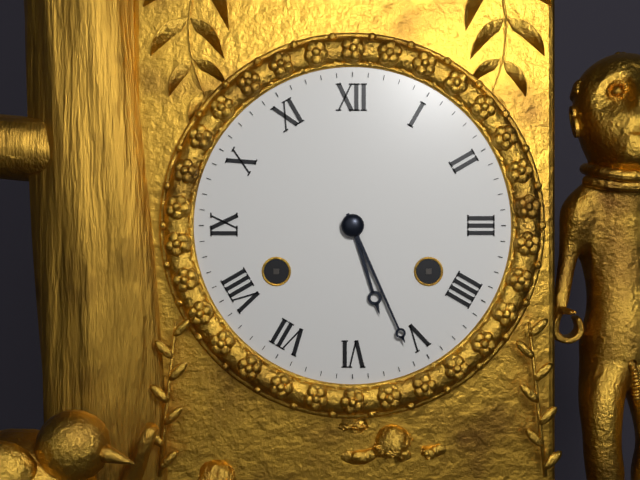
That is h=5 m=26
